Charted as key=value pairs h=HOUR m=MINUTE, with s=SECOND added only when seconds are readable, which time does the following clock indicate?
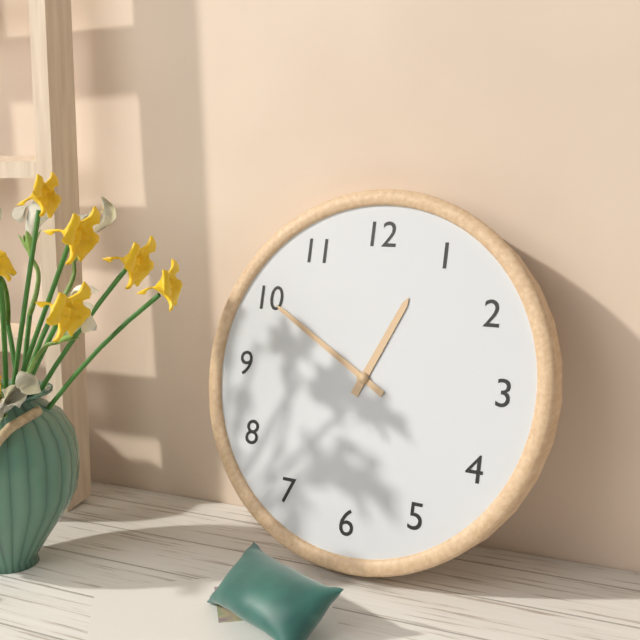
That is h=12 m=50
